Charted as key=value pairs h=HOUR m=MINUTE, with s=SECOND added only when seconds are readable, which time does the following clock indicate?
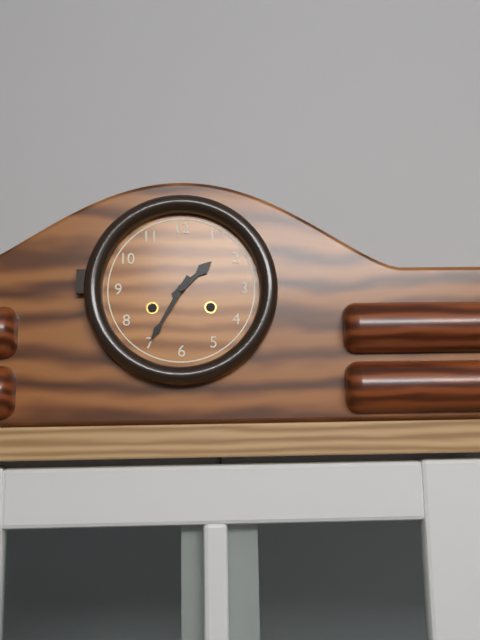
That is h=1 m=35
